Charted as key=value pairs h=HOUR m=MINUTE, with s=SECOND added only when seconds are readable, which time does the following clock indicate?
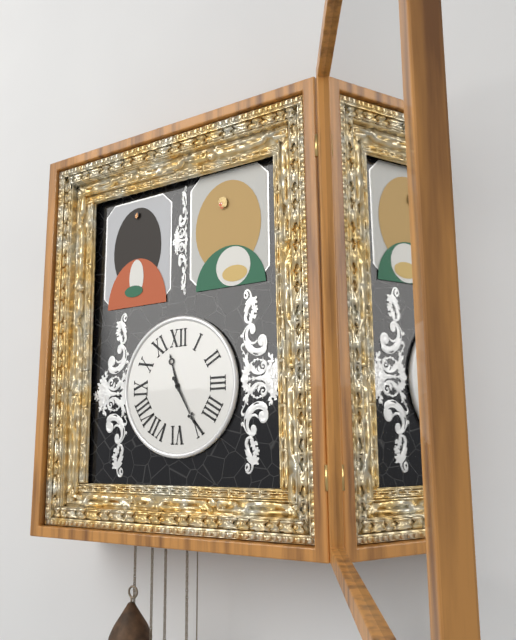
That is h=11 m=25
